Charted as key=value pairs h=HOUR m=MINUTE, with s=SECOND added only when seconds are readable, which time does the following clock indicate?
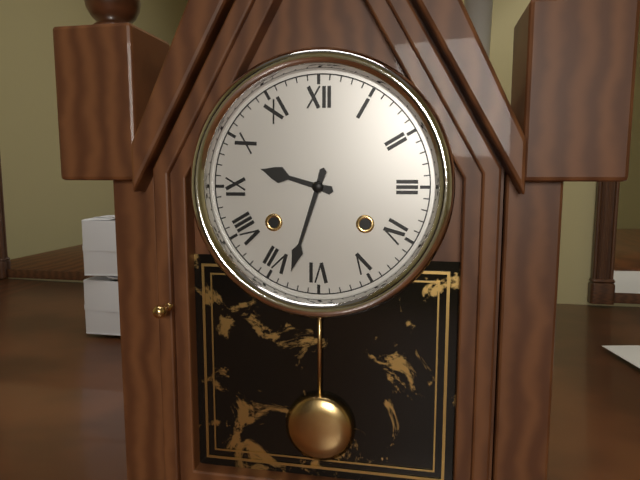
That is h=9 m=33
